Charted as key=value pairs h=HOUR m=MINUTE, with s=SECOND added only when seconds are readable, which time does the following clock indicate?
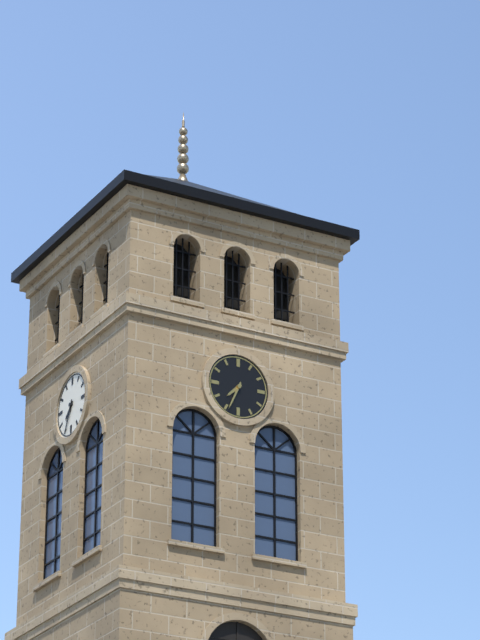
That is h=7 m=34
